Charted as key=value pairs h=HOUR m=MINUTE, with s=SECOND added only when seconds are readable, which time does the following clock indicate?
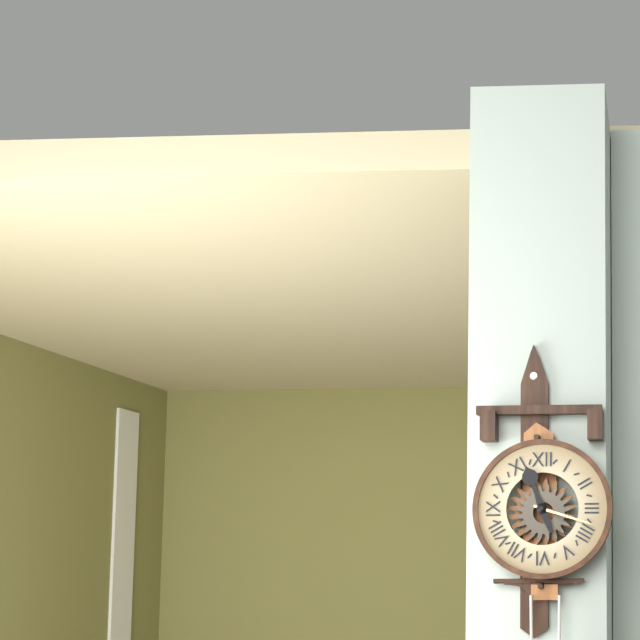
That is h=11 m=18
